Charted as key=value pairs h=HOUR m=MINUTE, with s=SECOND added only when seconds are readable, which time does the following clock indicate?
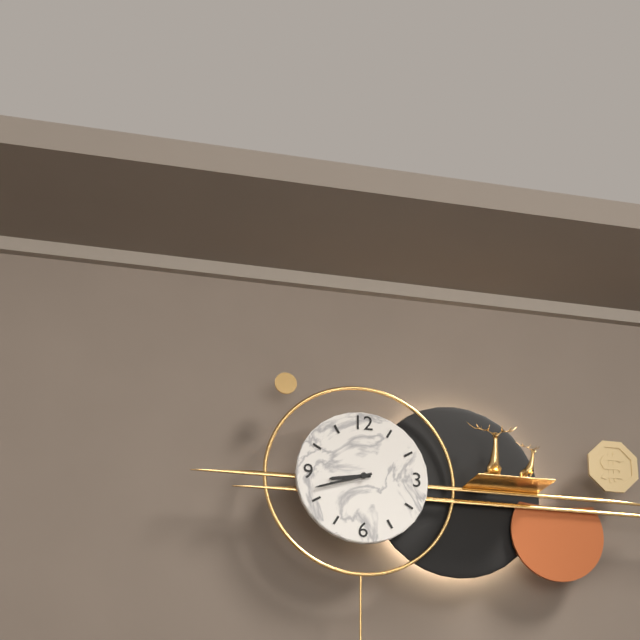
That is h=8 m=42
